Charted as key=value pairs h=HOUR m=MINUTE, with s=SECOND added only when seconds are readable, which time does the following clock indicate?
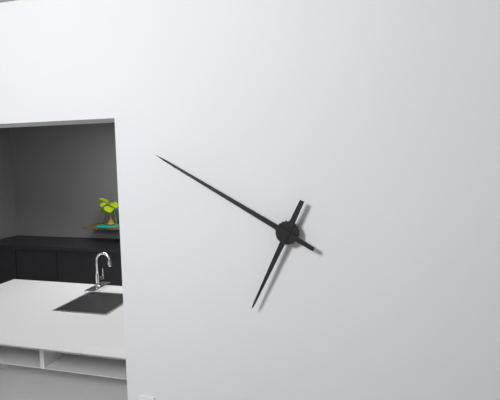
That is h=6 m=50
